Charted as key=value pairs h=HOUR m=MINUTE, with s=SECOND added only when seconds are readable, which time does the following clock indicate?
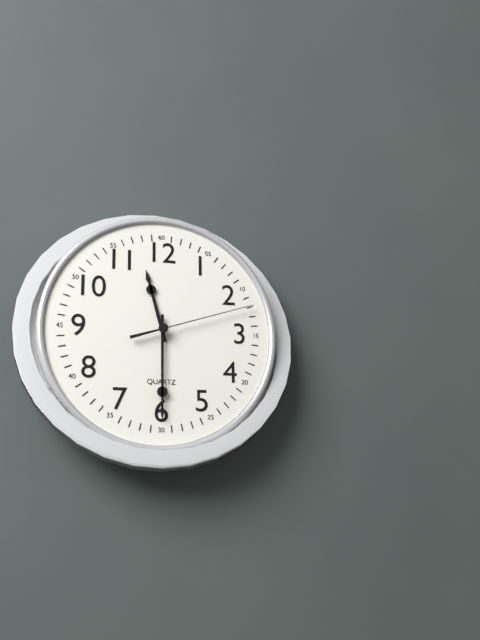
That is h=11 m=30 s=12
